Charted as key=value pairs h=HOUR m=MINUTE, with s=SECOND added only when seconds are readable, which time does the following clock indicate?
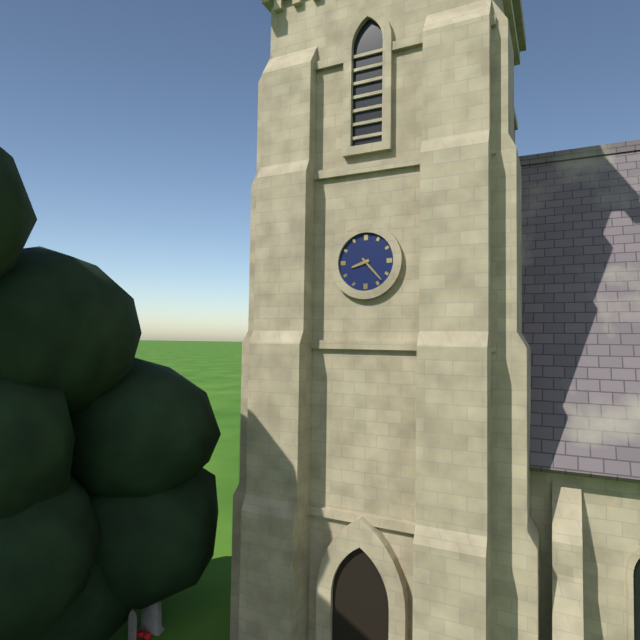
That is h=8 m=23
